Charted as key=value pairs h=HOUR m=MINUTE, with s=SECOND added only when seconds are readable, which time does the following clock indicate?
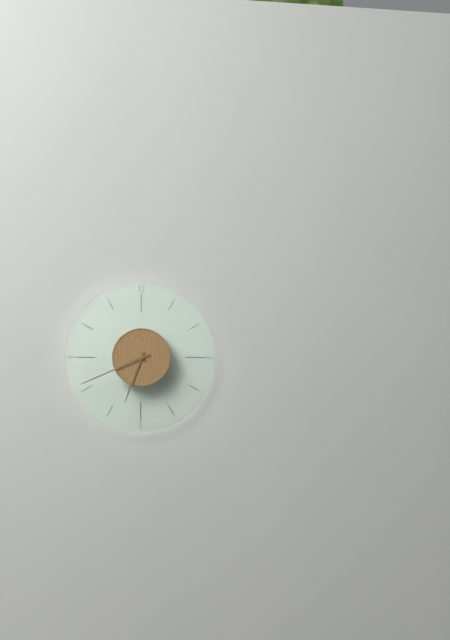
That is h=6 m=41
